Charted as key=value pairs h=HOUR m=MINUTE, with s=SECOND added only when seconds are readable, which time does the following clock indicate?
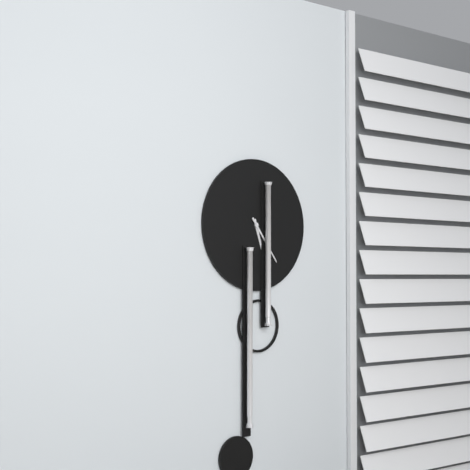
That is h=5 m=24
